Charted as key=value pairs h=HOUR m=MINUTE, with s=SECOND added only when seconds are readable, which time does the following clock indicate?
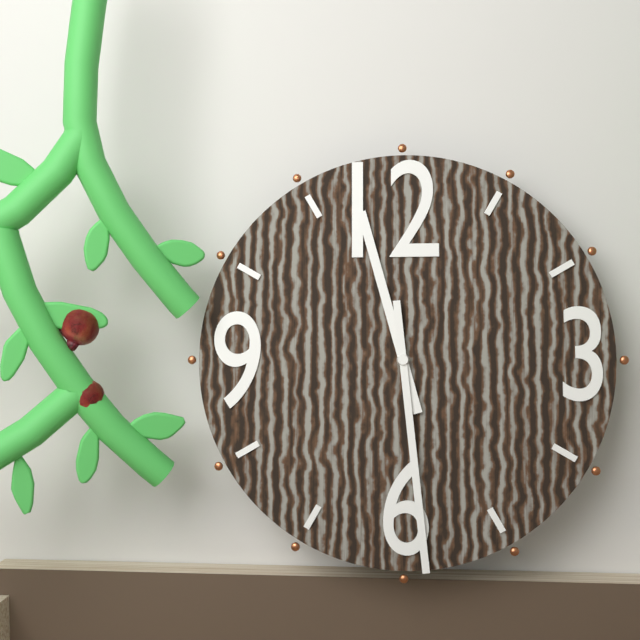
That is h=11 m=29
